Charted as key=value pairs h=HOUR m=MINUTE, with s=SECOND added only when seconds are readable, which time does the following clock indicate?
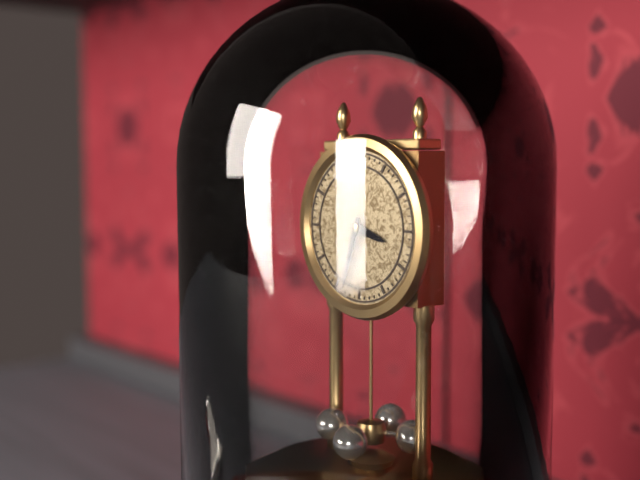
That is h=3 m=33
